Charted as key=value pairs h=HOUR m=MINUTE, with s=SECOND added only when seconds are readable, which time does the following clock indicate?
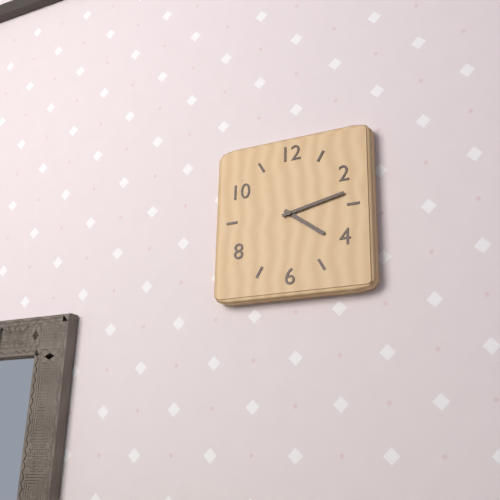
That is h=4 m=13
